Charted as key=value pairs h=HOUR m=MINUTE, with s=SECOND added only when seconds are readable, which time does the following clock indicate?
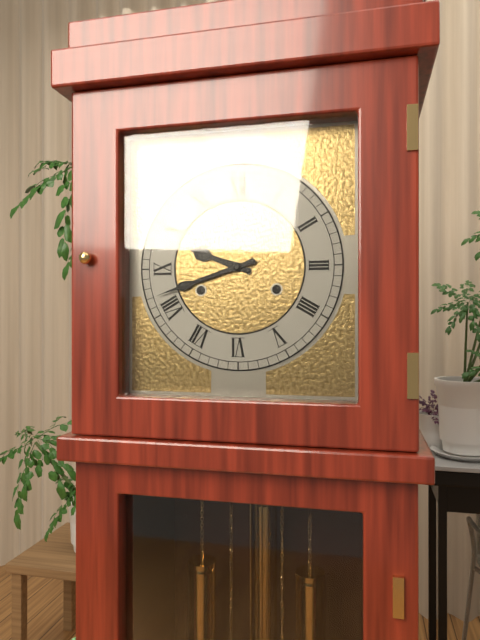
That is h=9 m=42
